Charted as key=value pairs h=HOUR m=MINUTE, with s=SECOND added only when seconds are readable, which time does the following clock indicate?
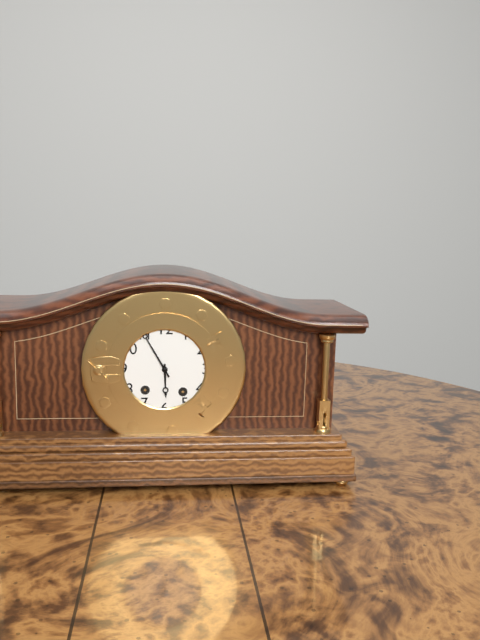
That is h=5 m=55
